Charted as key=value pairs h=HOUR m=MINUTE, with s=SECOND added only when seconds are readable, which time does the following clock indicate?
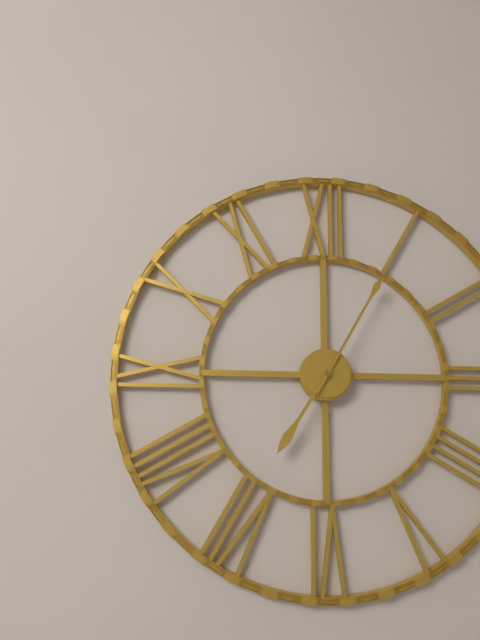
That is h=7 m=5
